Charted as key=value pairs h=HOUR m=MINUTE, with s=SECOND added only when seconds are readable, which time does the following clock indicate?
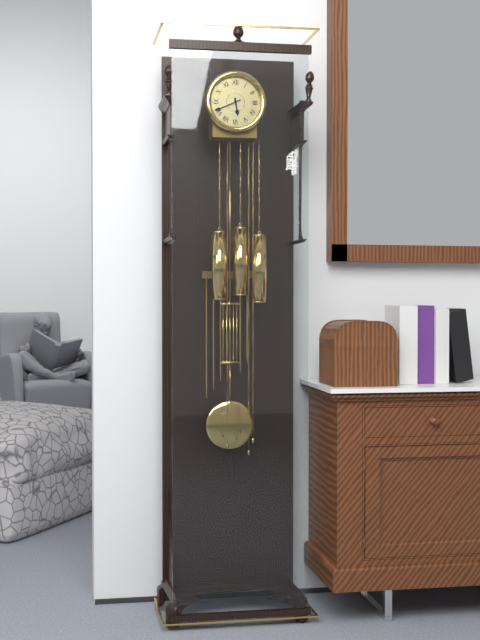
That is h=5 m=41
